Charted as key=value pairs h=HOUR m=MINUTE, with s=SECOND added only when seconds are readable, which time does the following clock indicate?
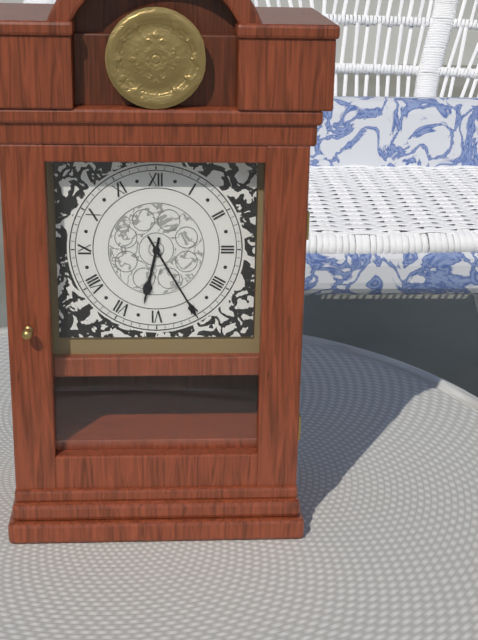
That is h=6 m=25
